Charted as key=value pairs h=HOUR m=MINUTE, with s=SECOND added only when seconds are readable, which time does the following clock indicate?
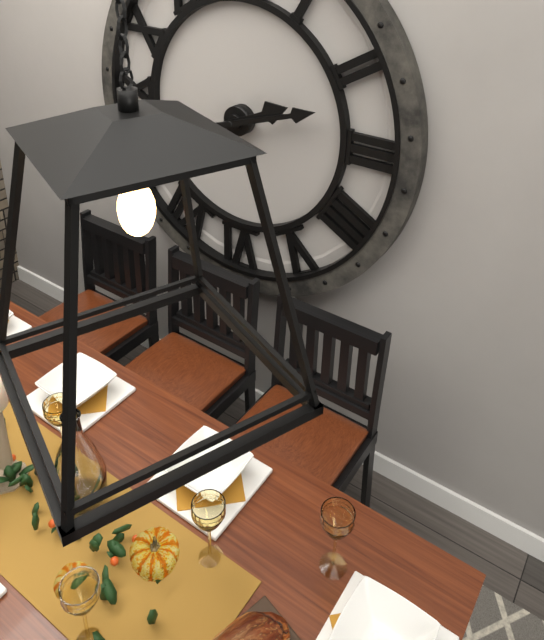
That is h=2 m=12
